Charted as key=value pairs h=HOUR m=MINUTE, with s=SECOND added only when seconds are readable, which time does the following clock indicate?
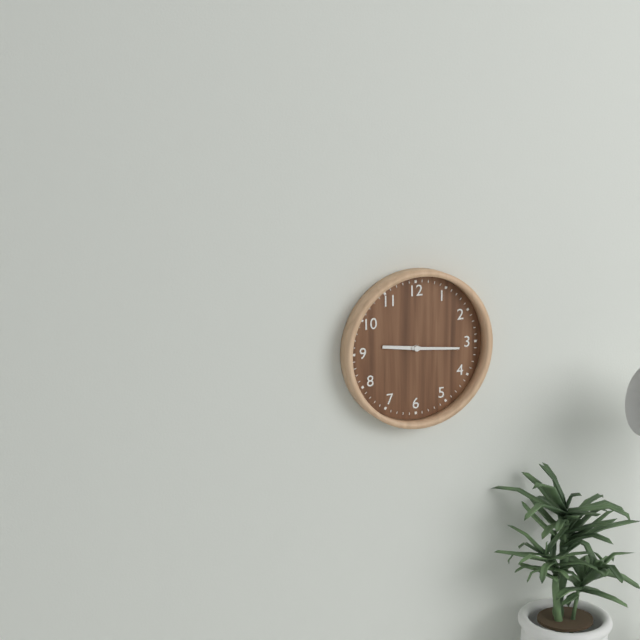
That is h=9 m=16
